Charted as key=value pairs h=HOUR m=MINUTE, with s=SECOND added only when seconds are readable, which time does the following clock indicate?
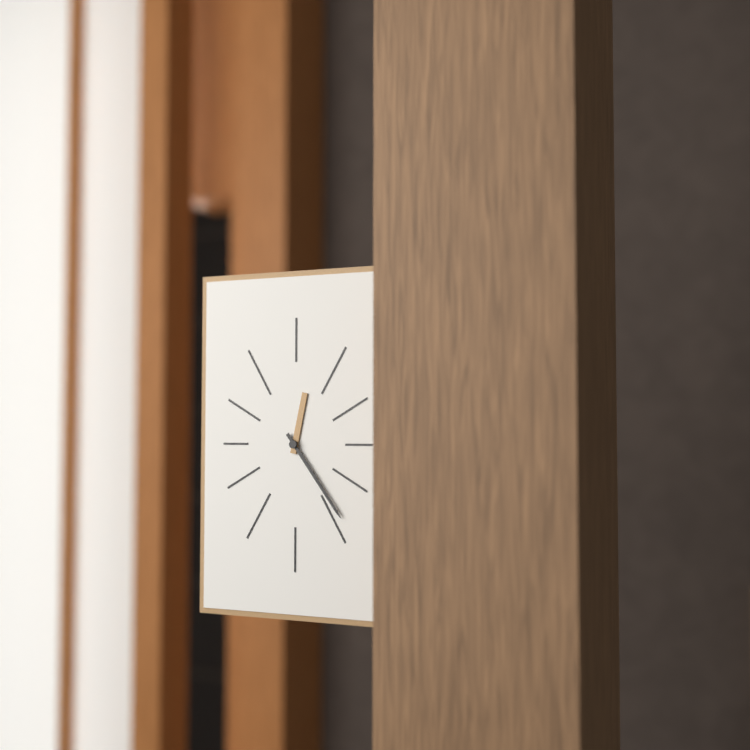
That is h=12 m=24
